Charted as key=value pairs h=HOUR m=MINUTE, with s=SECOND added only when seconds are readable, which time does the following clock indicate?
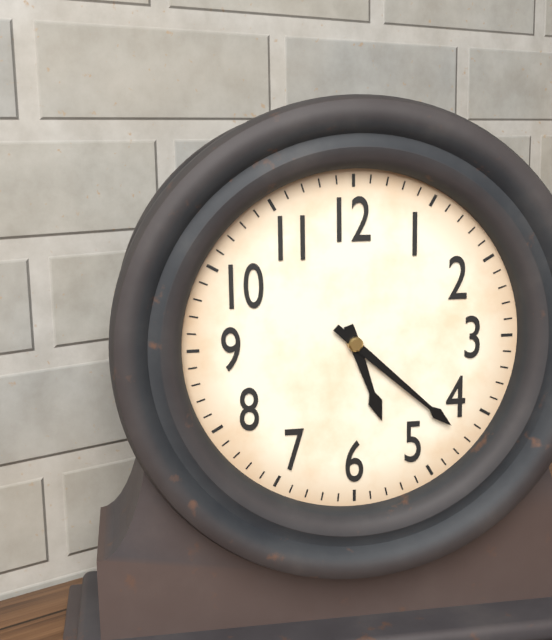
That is h=5 m=22
